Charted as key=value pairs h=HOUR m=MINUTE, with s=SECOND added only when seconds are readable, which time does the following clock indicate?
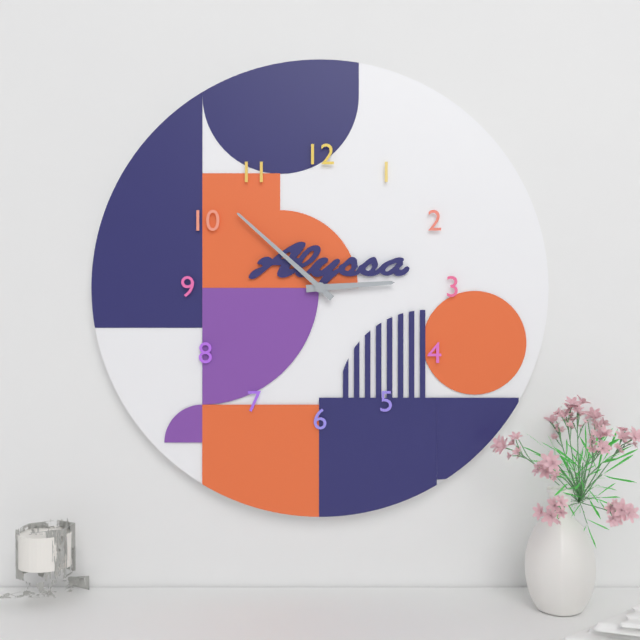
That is h=2 m=52
